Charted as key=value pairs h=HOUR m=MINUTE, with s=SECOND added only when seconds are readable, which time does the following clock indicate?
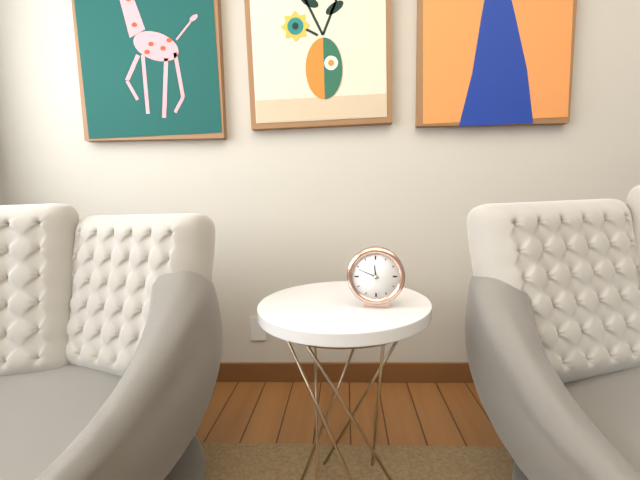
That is h=11 m=49
